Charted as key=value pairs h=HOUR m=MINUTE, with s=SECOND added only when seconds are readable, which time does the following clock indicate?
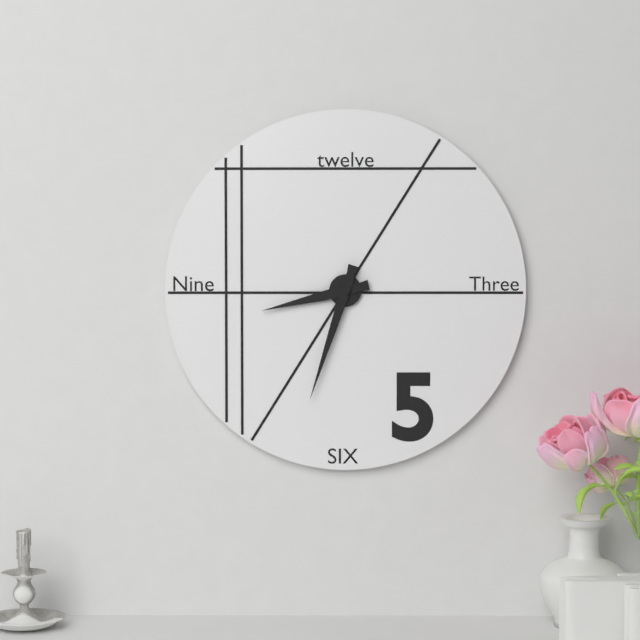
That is h=8 m=33
